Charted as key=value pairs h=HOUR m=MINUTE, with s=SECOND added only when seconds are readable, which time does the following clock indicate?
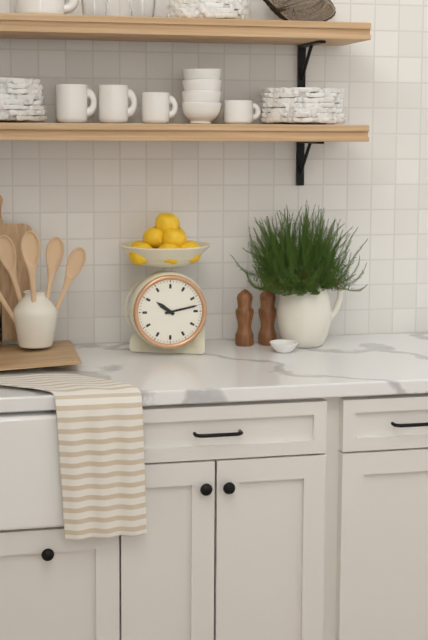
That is h=10 m=13
